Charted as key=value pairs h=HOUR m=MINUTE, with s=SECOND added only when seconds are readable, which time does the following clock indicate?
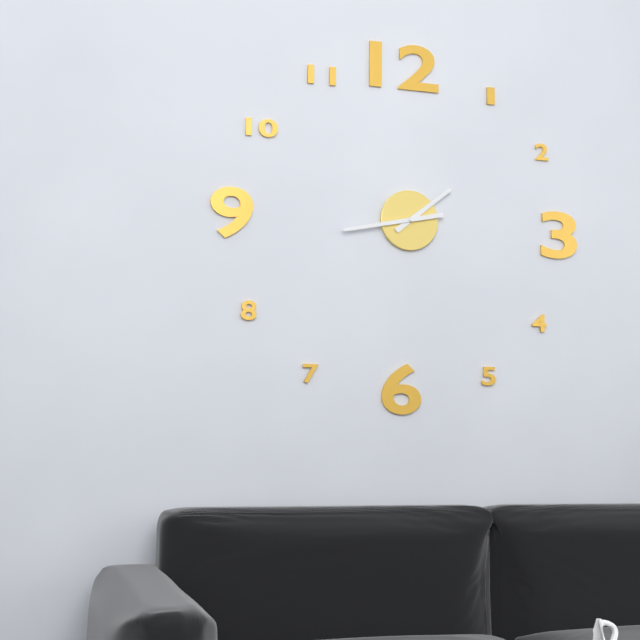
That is h=1 m=43
